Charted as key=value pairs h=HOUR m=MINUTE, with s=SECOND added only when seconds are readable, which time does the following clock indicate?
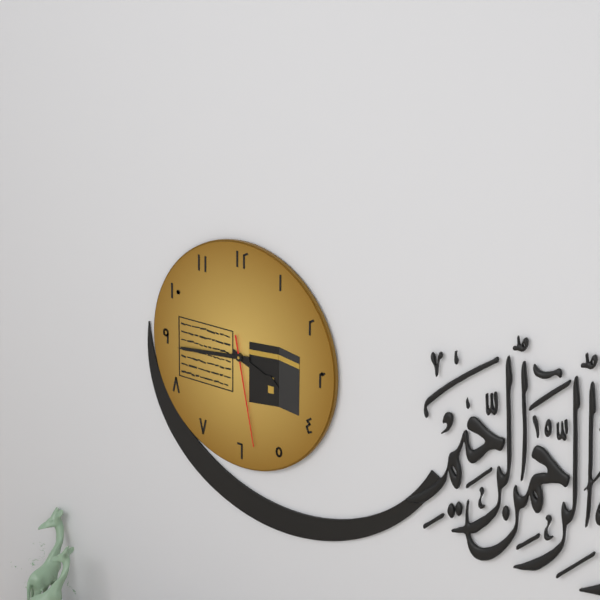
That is h=3 m=44 s=28
